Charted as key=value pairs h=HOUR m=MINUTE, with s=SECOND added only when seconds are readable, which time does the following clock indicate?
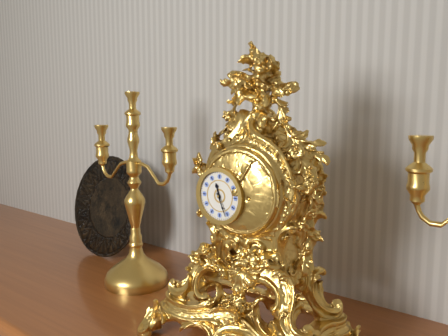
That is h=11 m=26
